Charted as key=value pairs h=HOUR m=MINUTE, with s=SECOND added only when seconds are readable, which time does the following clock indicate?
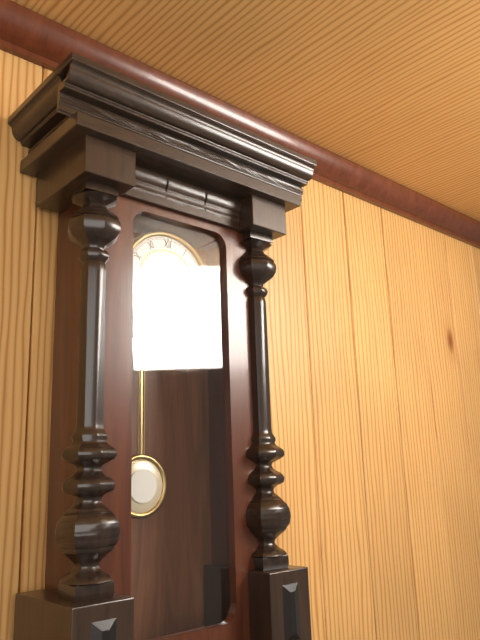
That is h=4 m=10
